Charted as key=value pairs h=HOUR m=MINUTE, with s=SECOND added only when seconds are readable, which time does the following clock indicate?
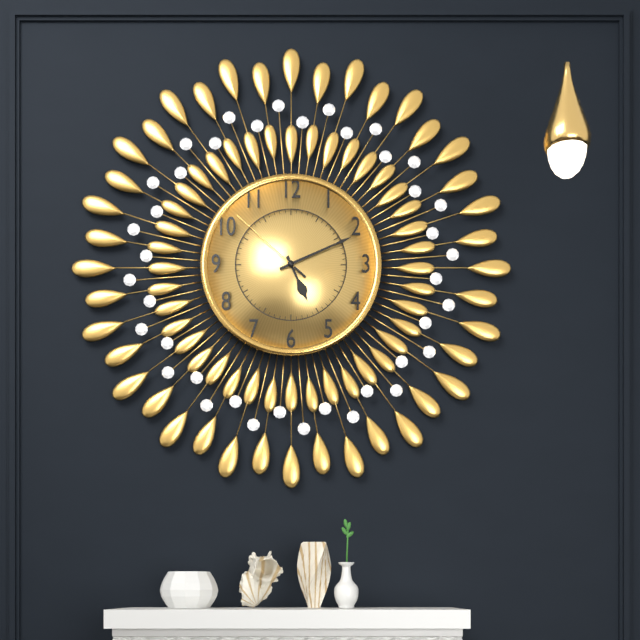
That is h=5 m=11 s=52
